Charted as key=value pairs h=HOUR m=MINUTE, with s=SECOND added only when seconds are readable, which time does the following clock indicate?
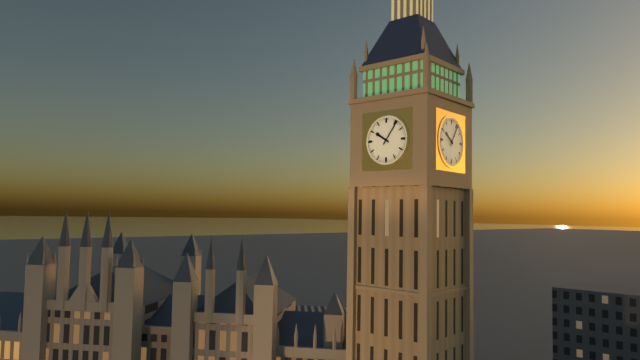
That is h=10 m=6
